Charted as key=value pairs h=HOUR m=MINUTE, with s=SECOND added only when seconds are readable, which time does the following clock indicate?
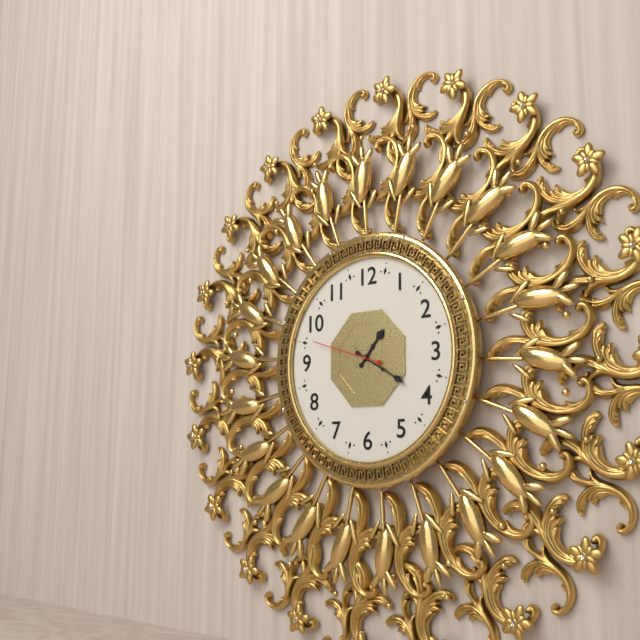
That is h=1 m=20 s=48
